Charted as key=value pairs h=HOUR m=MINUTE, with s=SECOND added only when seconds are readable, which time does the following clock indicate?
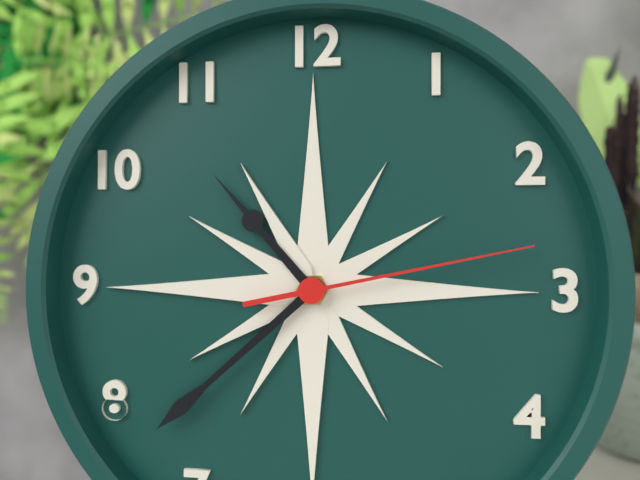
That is h=10 m=38 s=13
